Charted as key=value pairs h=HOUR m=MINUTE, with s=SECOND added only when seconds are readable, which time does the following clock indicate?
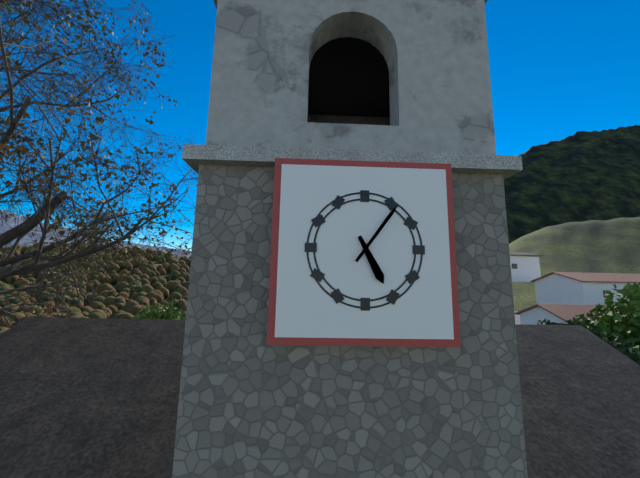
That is h=5 m=6
